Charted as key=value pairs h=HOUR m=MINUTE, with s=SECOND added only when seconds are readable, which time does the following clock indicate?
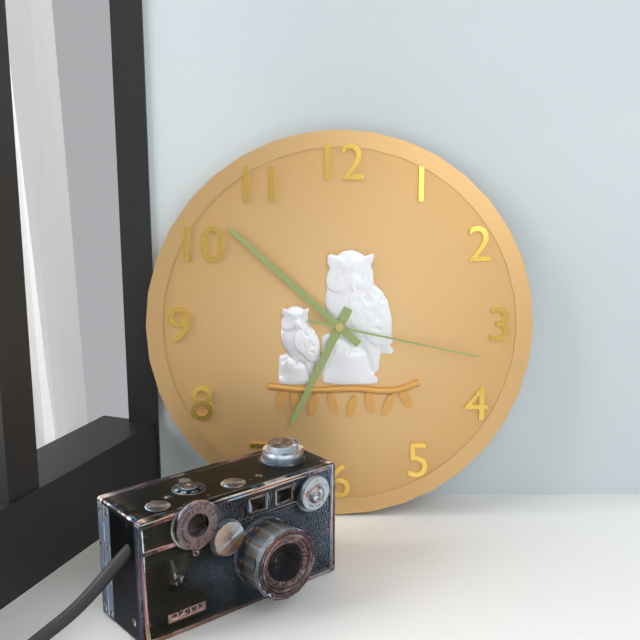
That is h=6 m=52 s=17
